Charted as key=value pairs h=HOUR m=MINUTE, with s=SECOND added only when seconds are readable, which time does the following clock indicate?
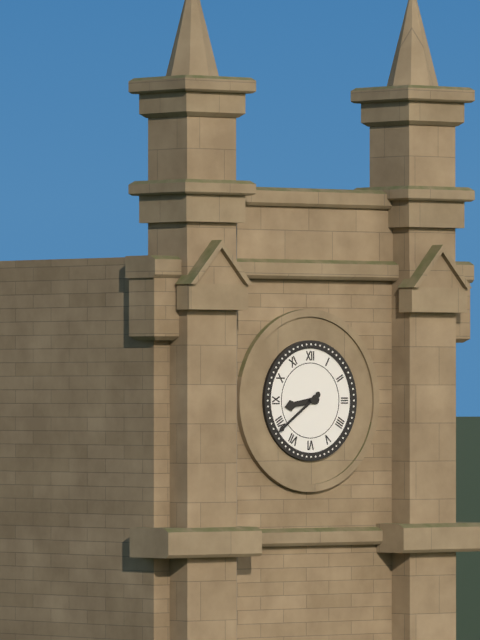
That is h=8 m=39
